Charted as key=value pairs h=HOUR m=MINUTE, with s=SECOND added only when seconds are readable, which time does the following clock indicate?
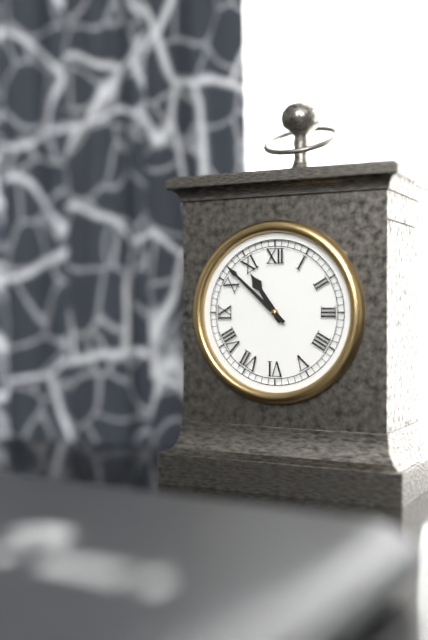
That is h=10 m=52
